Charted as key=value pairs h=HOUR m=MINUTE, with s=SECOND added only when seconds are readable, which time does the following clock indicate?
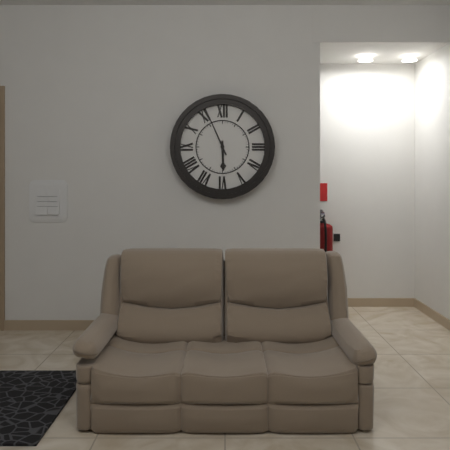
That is h=5 m=56
